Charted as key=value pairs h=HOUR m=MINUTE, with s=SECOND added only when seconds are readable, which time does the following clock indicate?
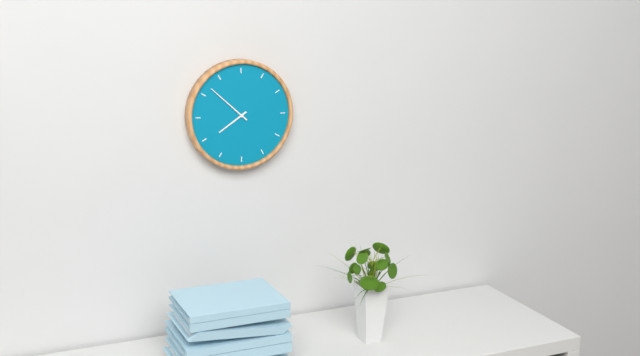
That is h=7 m=52
